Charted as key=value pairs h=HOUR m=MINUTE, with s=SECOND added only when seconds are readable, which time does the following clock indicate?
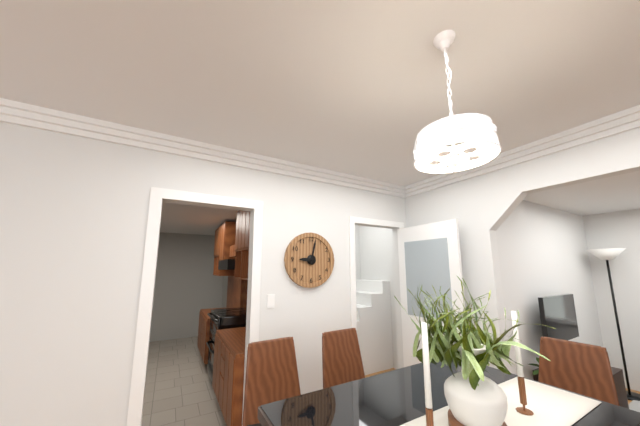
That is h=9 m=2
